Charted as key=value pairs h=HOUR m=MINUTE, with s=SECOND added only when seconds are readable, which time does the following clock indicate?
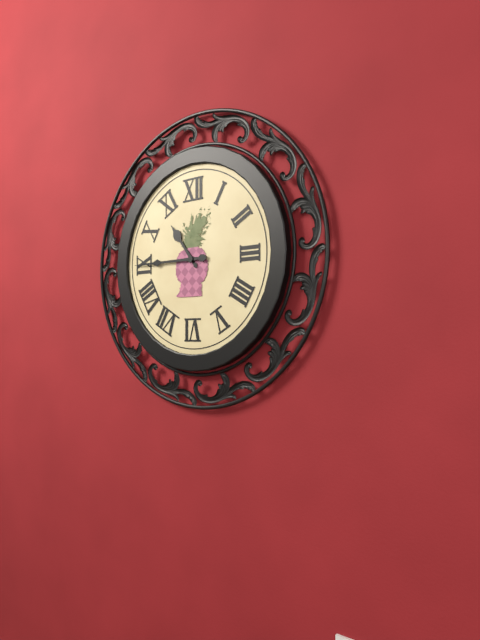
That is h=10 m=45
